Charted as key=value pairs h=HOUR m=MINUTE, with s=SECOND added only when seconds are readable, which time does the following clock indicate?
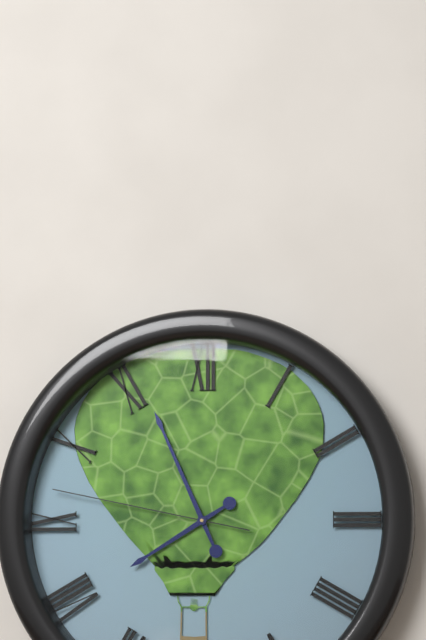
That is h=7 m=56 s=47
